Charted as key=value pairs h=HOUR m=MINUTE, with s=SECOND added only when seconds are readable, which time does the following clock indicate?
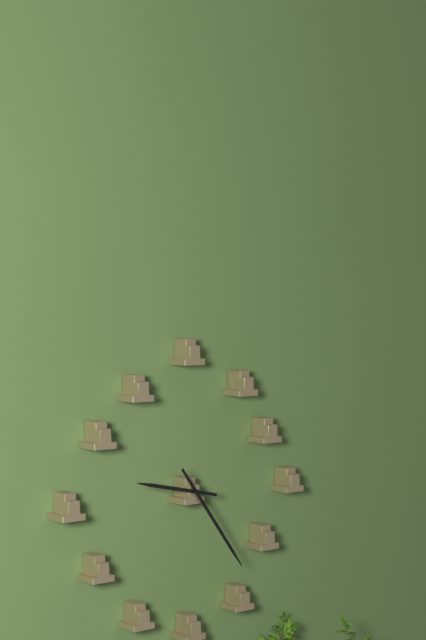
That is h=9 m=24
